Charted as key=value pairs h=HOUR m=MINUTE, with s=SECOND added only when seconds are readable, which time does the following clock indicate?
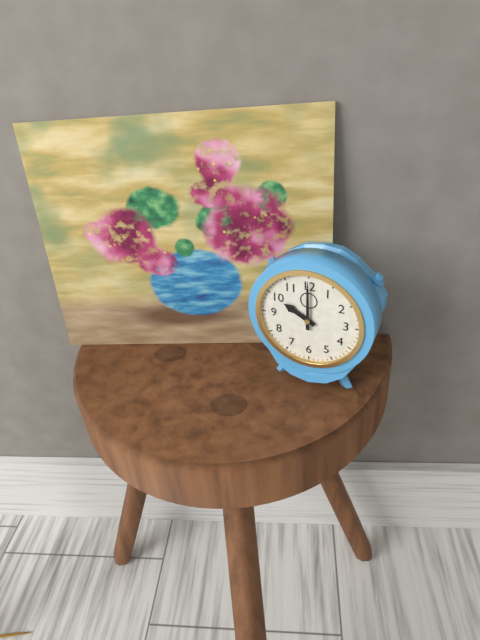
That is h=10 m=0
